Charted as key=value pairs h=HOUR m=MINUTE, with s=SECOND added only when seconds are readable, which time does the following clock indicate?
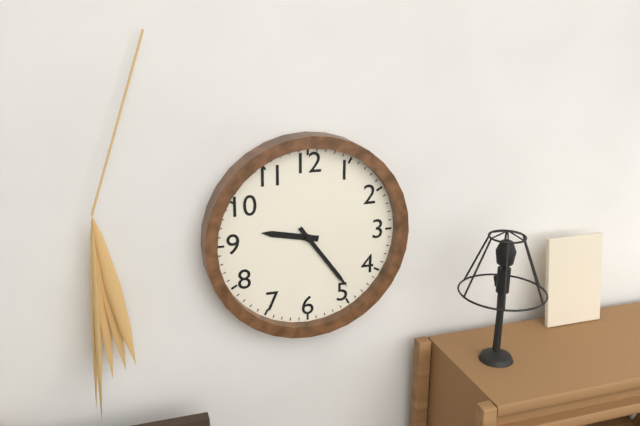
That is h=9 m=24
